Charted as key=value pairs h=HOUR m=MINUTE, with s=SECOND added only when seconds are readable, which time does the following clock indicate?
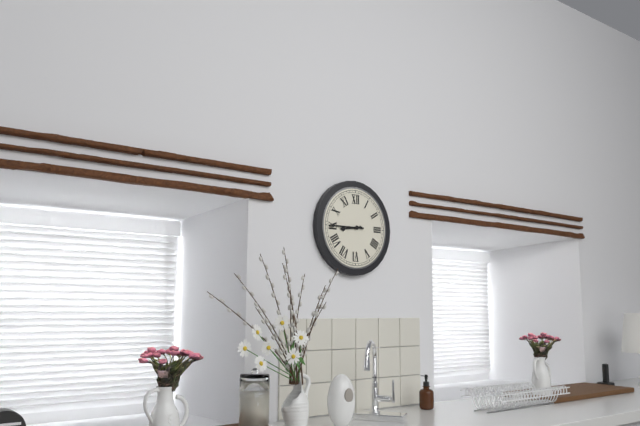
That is h=8 m=45
